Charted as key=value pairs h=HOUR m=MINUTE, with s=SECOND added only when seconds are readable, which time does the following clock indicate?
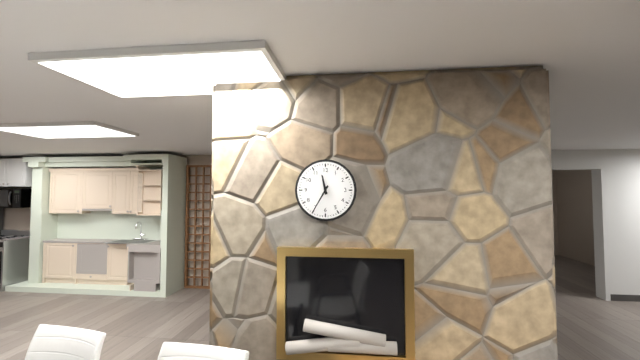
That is h=11 m=35
